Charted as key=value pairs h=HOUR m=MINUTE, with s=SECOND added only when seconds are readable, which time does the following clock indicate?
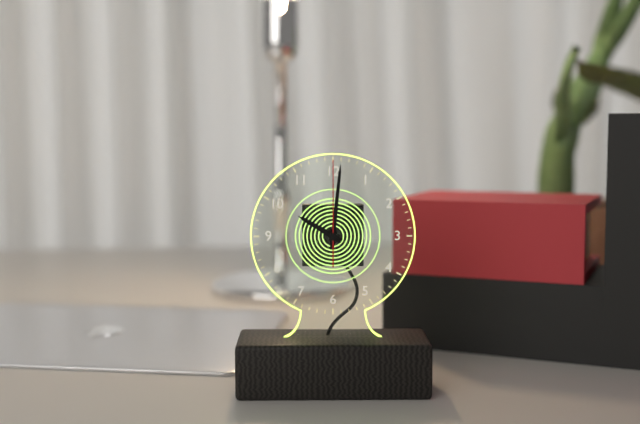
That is h=10 m=1 s=0
